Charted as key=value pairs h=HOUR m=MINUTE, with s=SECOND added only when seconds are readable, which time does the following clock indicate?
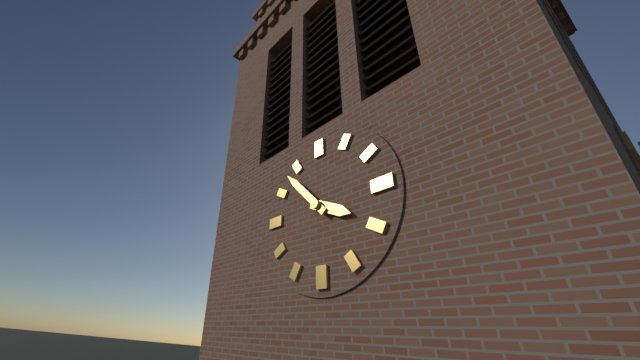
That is h=3 m=53
